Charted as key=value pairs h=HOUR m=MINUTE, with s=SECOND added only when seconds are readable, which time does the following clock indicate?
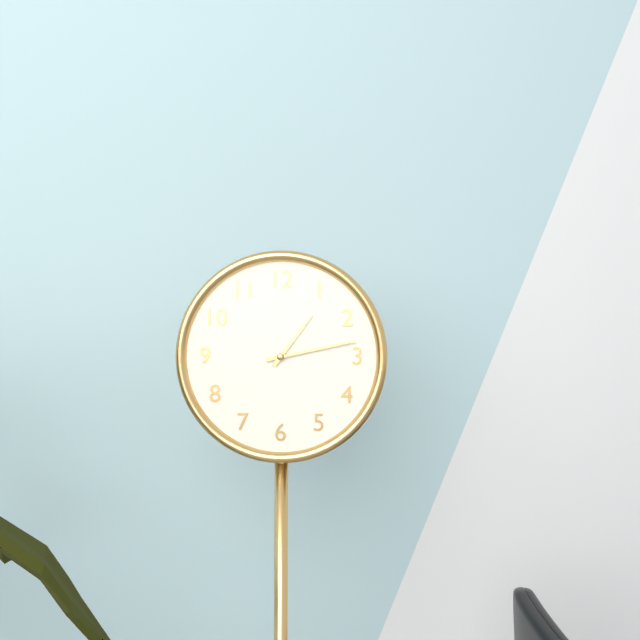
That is h=1 m=13
